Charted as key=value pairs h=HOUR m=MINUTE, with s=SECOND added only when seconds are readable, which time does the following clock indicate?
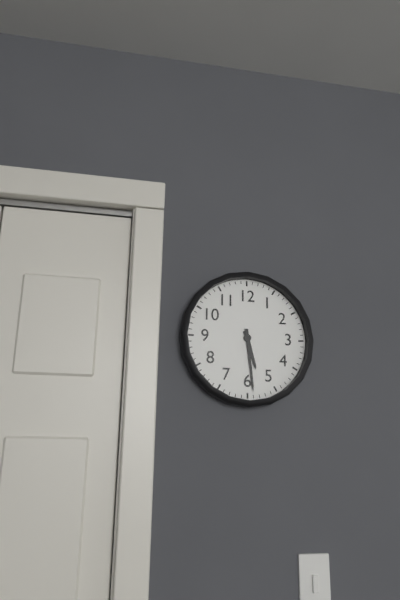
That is h=5 m=29
